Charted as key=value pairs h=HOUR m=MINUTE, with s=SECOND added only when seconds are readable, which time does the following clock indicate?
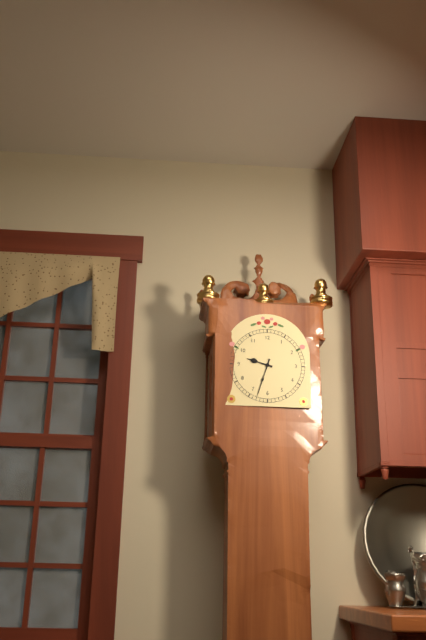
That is h=9 m=33
